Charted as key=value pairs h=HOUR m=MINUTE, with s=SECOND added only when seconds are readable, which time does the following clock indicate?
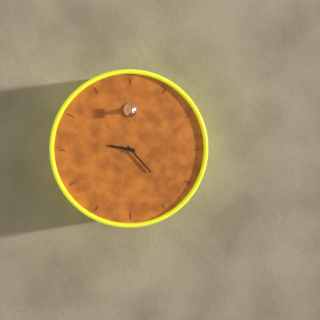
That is h=9 m=23
